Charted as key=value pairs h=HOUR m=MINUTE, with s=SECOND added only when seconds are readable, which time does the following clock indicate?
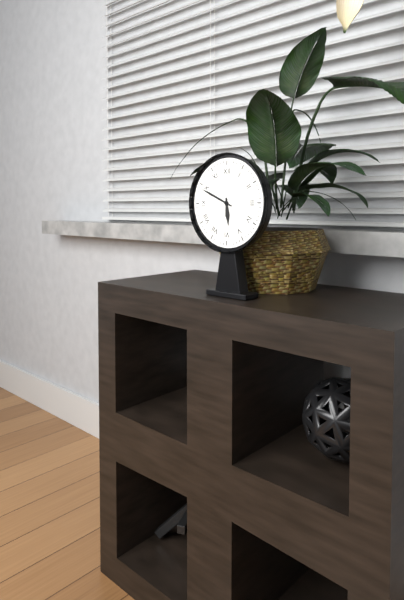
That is h=5 m=49
